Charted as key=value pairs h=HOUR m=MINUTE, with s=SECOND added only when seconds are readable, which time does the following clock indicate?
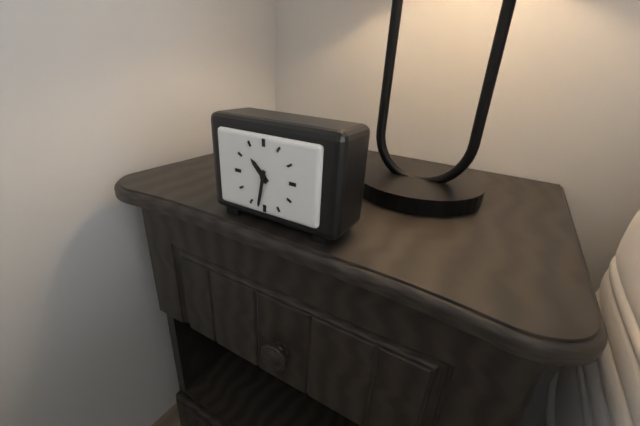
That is h=10 m=32
